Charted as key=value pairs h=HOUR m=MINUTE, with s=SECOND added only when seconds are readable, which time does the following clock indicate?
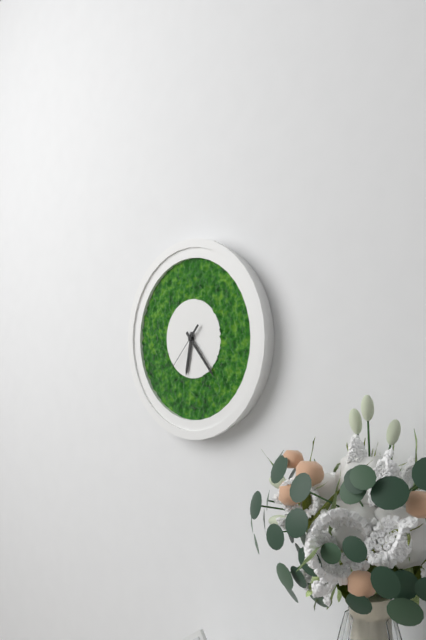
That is h=6 m=23
